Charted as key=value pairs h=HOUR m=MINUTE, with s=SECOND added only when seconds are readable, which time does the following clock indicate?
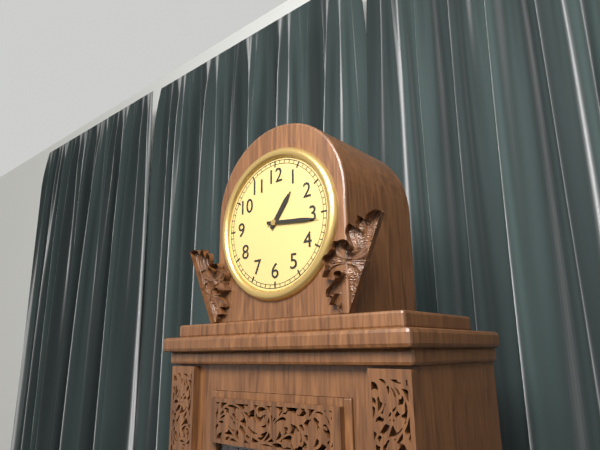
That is h=1 m=16
